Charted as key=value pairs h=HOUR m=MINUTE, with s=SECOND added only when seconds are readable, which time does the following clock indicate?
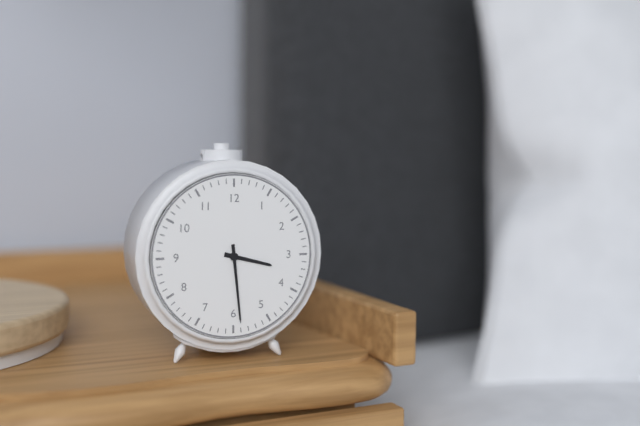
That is h=3 m=29
